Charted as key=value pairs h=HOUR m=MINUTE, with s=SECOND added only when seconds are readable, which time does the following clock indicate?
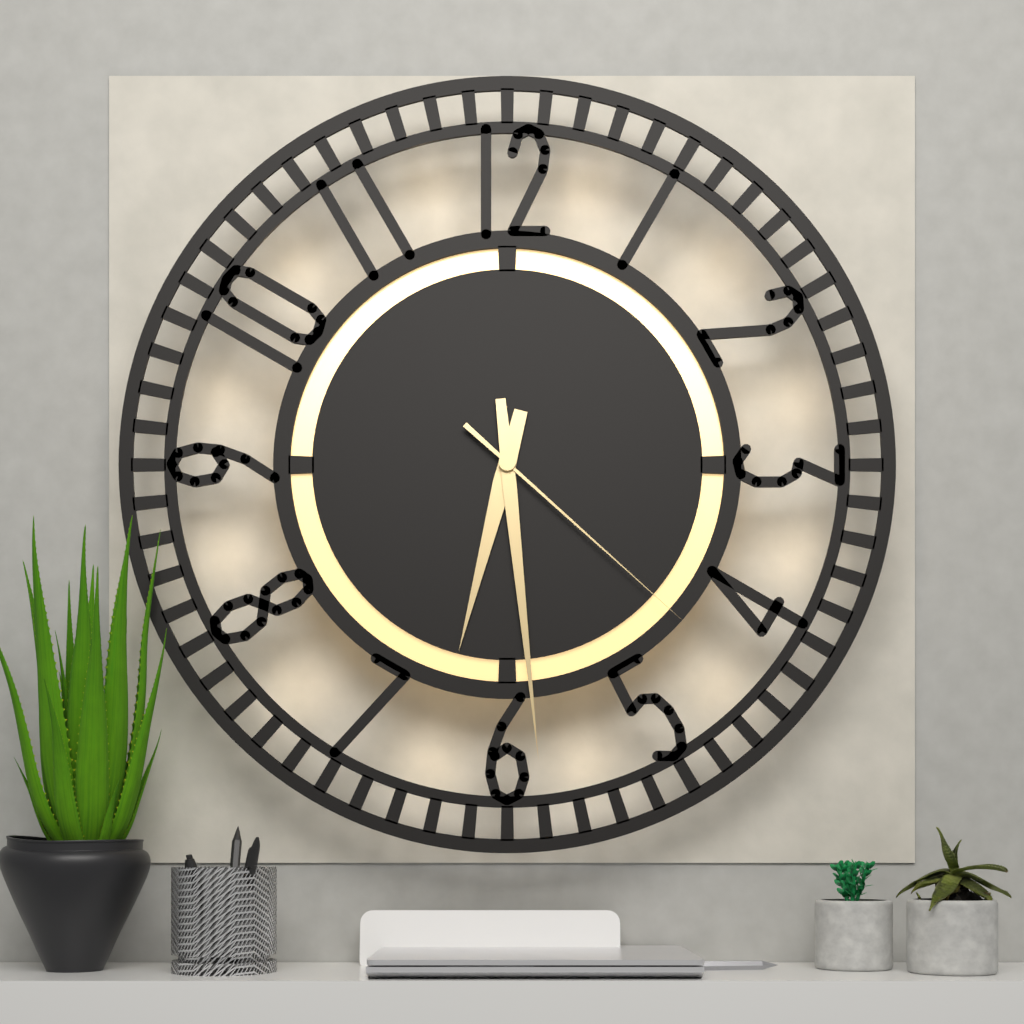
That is h=6 m=29 s=22
